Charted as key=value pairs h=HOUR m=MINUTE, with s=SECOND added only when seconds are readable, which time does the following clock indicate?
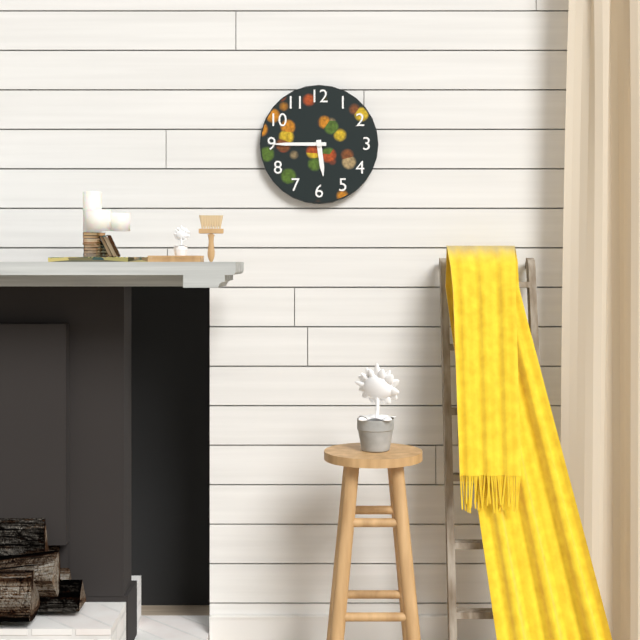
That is h=5 m=45
